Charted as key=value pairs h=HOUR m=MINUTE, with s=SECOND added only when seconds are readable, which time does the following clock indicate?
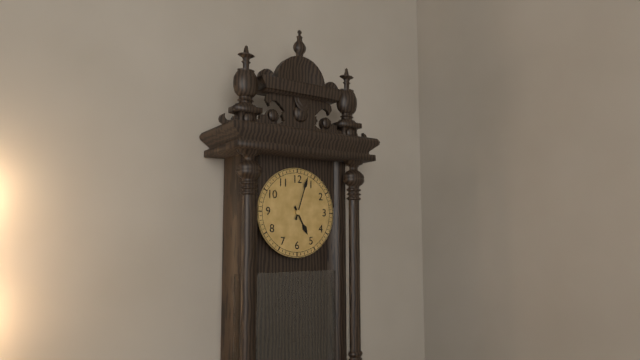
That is h=5 m=3
